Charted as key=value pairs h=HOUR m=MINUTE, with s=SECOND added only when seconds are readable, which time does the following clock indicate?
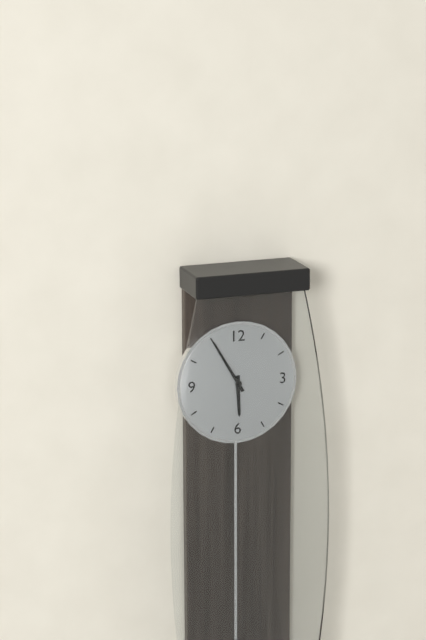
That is h=5 m=55
